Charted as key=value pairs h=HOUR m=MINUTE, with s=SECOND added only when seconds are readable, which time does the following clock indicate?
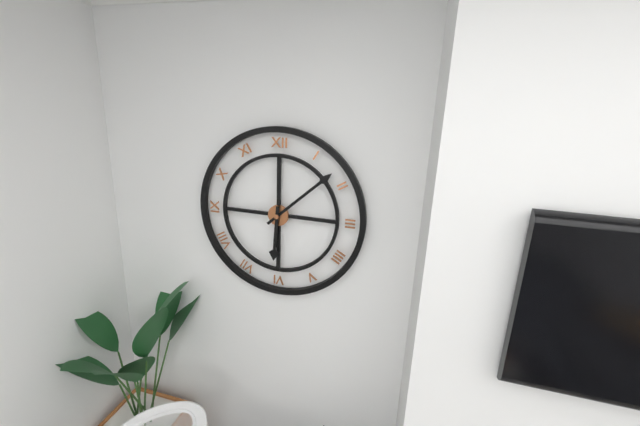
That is h=6 m=8
